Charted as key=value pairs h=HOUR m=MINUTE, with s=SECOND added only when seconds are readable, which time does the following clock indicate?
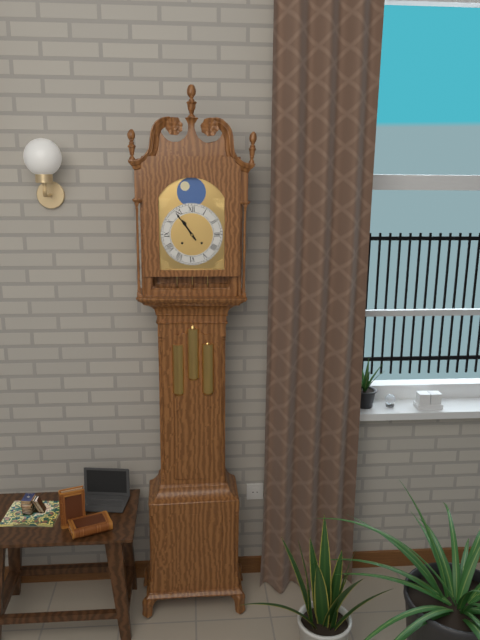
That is h=10 m=54
